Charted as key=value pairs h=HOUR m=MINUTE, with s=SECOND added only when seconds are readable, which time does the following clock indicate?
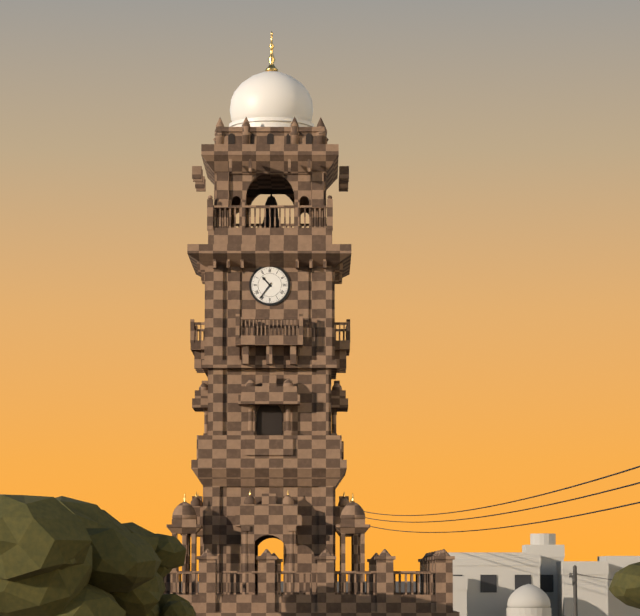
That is h=10 m=36
